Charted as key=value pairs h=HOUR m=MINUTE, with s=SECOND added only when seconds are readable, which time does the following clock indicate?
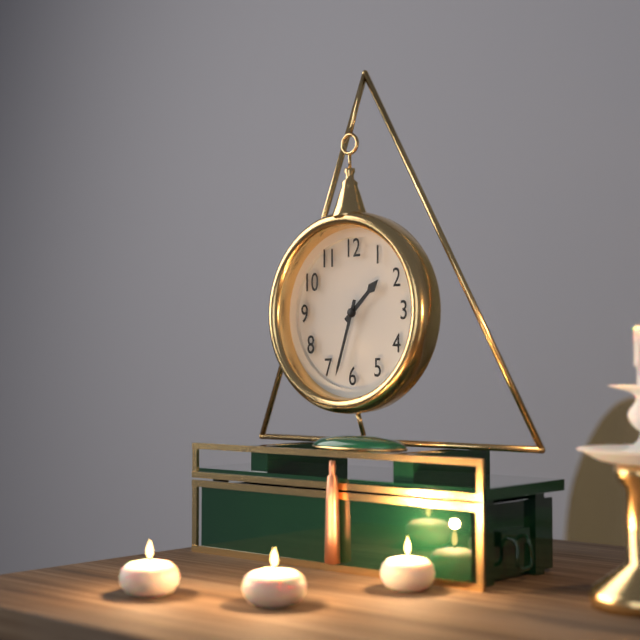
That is h=1 m=33
